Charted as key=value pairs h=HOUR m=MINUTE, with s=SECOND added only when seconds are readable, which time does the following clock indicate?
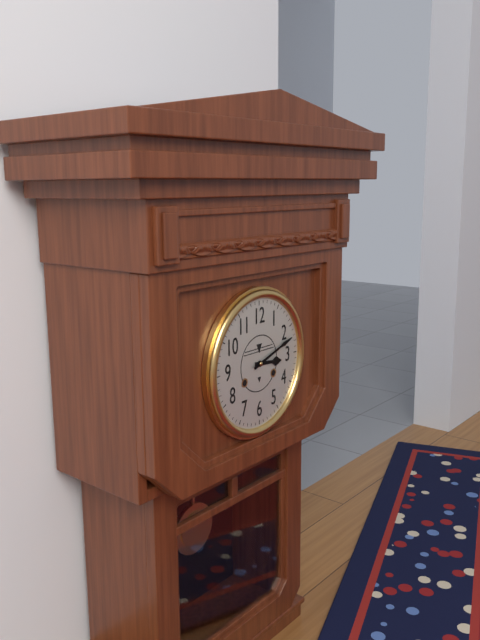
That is h=3 m=12
